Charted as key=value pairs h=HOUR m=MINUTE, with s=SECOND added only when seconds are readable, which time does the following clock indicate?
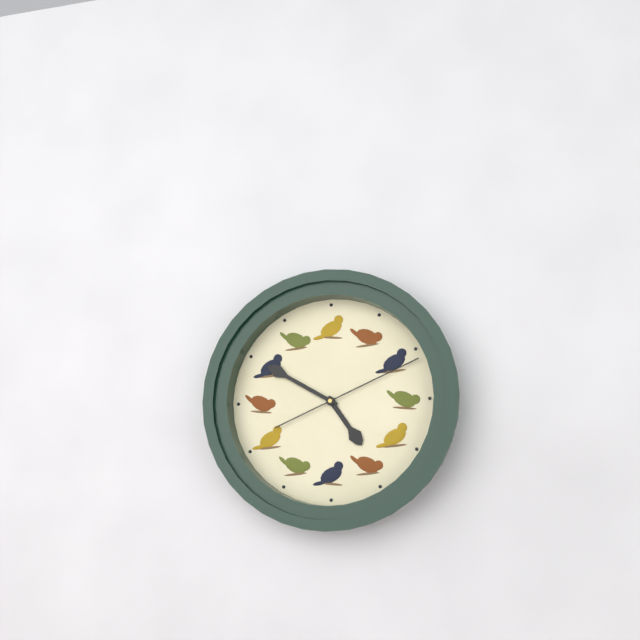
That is h=4 m=50 s=11
